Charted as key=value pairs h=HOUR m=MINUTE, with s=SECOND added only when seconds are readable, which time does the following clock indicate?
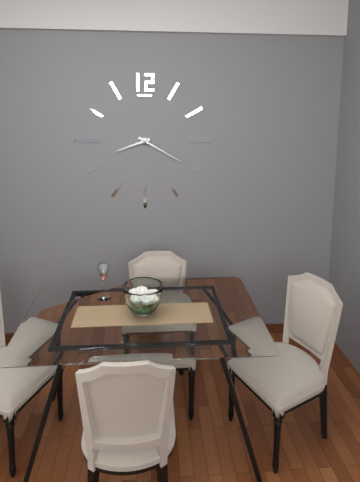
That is h=8 m=20
